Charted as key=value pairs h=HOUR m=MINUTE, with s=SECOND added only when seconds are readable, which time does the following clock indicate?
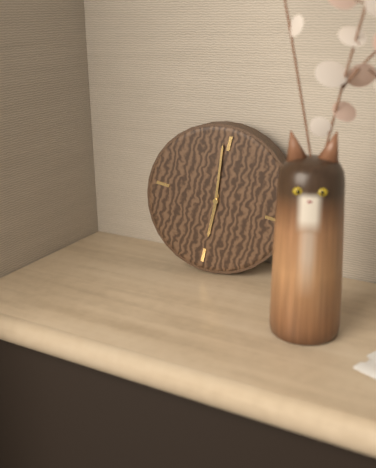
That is h=5 m=59
